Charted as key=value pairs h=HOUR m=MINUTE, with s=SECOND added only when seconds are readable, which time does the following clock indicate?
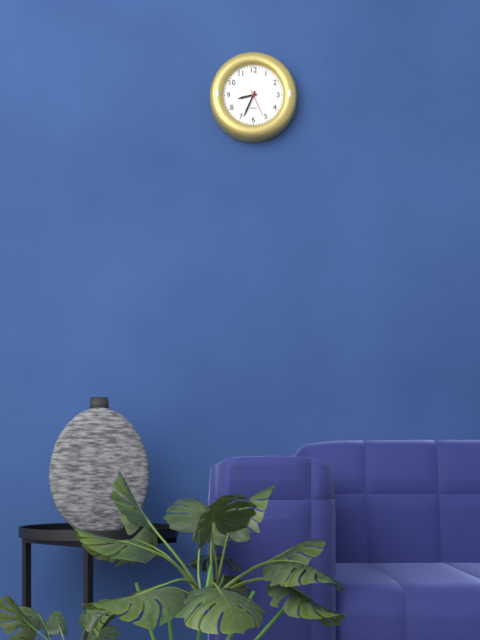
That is h=8 m=34
